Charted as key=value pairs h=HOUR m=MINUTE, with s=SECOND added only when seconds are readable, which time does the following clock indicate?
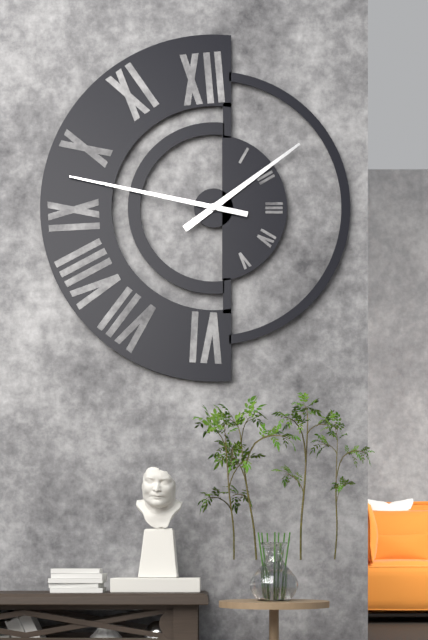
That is h=1 m=47
